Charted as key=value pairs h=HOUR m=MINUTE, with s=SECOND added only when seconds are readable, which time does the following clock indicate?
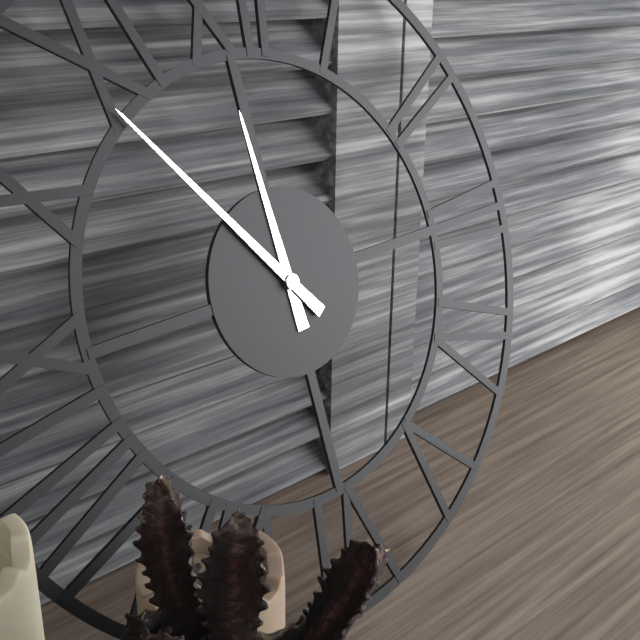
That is h=11 m=54
